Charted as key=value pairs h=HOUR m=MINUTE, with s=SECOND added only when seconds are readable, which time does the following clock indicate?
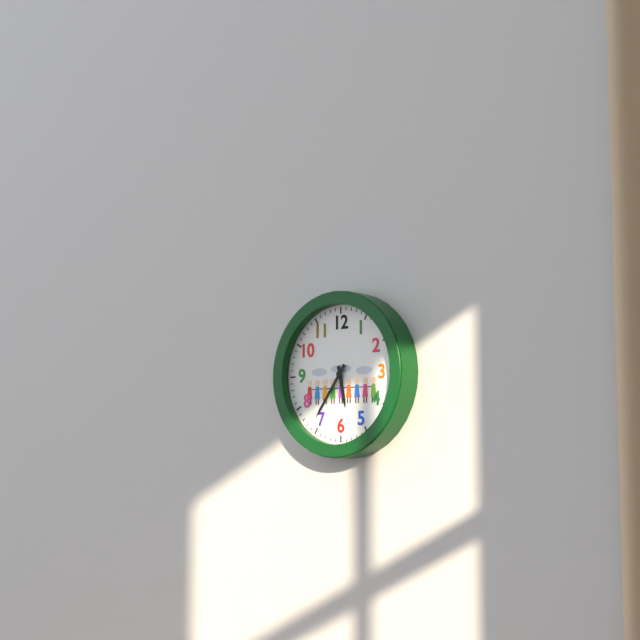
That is h=5 m=36
